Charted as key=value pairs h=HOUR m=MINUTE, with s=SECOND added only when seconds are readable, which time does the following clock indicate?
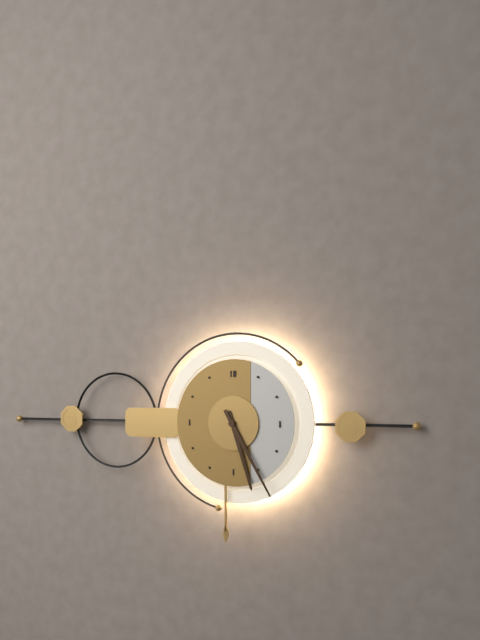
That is h=5 m=25
